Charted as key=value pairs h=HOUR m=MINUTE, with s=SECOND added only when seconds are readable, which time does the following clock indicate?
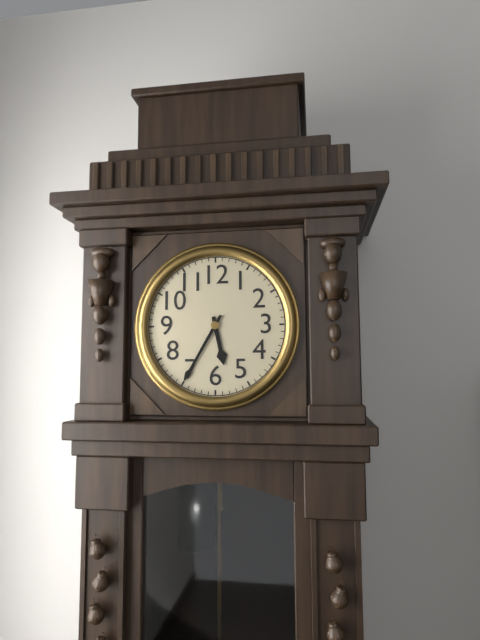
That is h=5 m=35
